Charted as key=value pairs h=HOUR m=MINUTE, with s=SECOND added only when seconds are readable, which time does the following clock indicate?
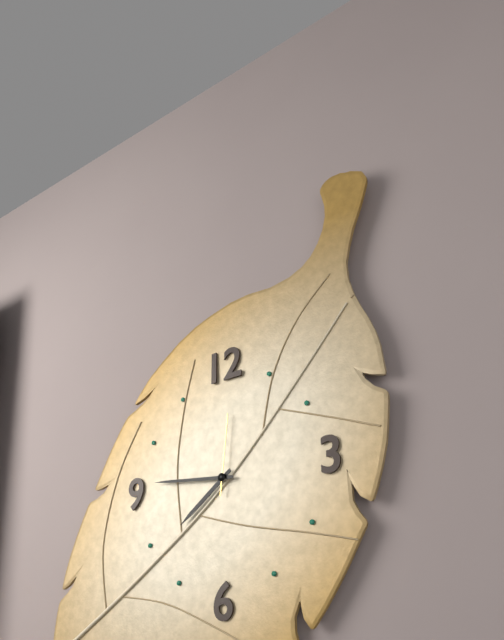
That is h=7 m=46 s=1
